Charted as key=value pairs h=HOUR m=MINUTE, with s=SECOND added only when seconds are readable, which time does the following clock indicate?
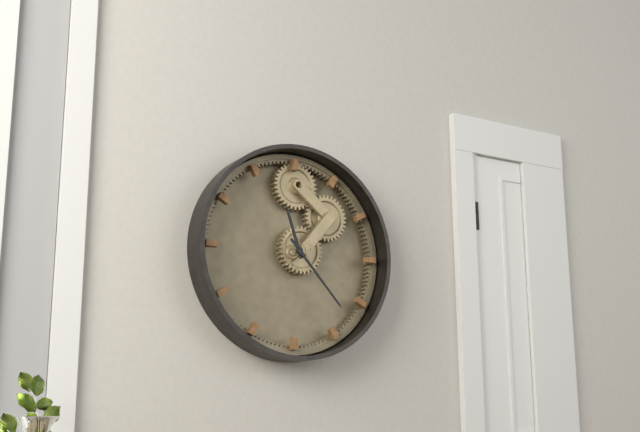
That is h=11 m=23
